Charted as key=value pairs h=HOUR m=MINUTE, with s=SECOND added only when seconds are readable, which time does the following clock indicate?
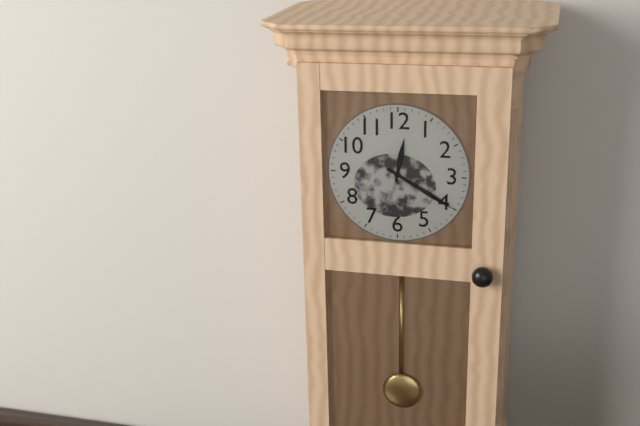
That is h=12 m=20
